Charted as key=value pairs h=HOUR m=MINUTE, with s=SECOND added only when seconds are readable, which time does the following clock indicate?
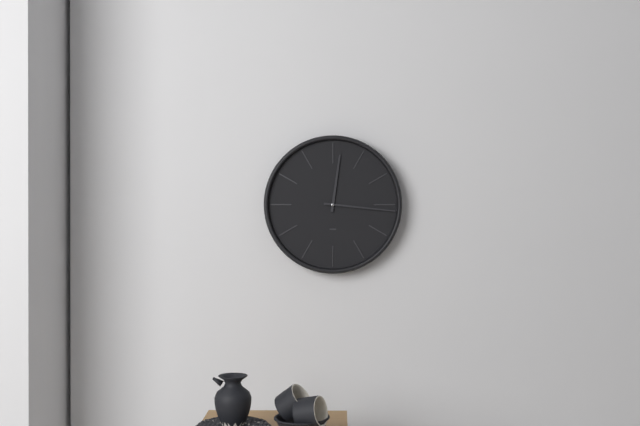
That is h=12 m=16
